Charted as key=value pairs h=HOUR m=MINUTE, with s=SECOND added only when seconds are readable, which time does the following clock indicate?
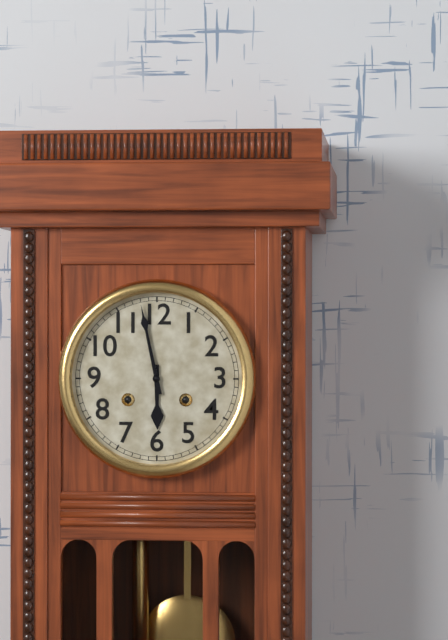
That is h=5 m=58
